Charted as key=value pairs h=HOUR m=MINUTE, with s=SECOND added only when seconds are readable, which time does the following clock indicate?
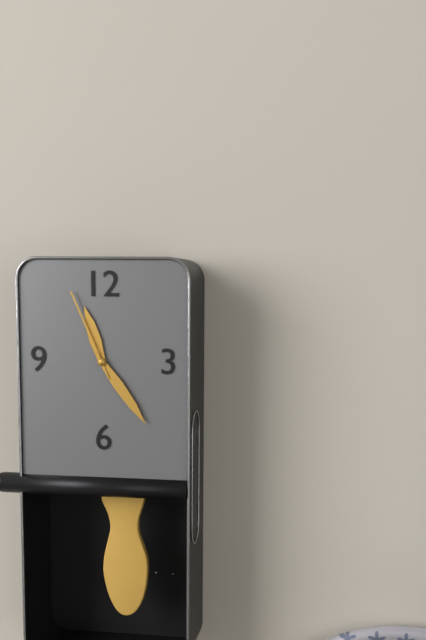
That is h=11 m=24 s=56
